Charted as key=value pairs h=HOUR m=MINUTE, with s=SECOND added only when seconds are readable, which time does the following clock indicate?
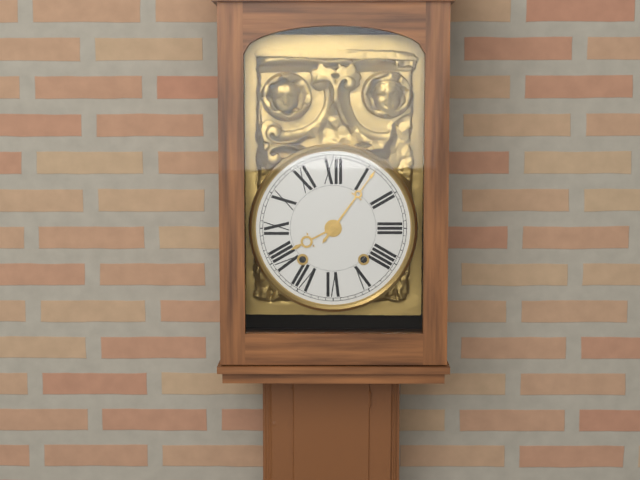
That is h=8 m=6
